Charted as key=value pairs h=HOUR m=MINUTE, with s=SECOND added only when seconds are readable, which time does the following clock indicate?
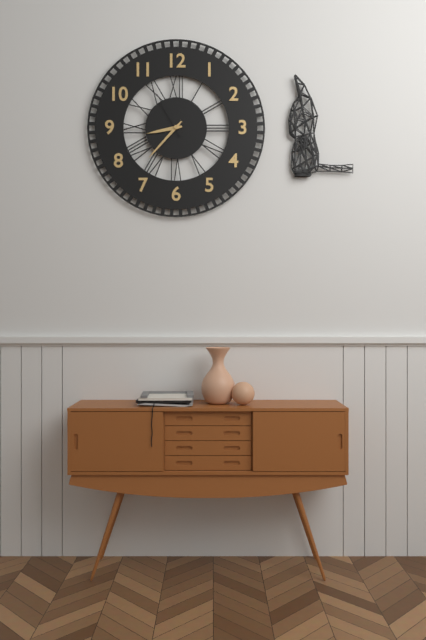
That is h=8 m=37 s=55
